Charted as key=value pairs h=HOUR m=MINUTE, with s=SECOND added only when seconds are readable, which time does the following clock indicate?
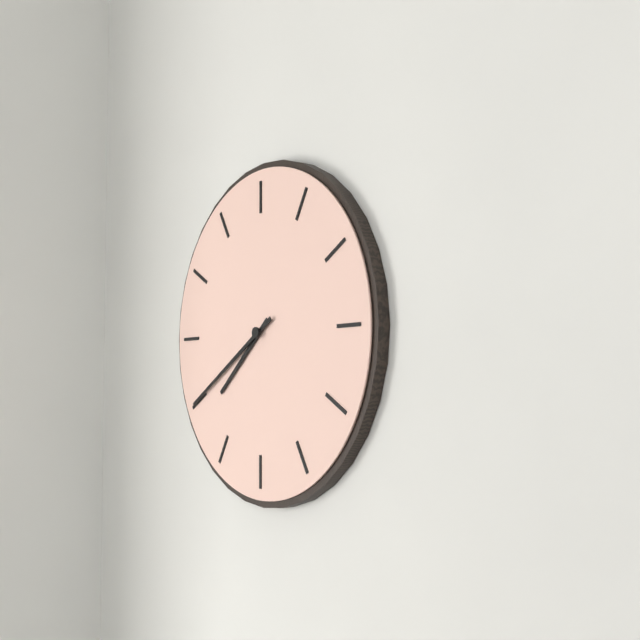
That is h=7 m=40
